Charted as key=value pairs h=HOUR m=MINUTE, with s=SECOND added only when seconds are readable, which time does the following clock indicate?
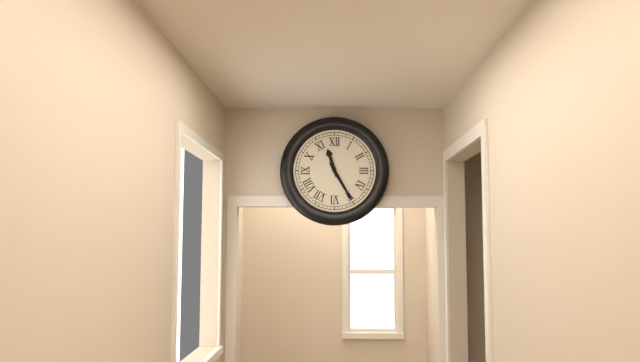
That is h=11 m=25
